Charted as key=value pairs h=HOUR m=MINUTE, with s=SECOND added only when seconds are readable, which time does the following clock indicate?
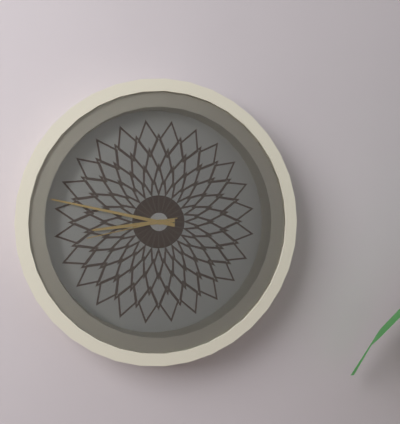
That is h=8 m=47 s=43
